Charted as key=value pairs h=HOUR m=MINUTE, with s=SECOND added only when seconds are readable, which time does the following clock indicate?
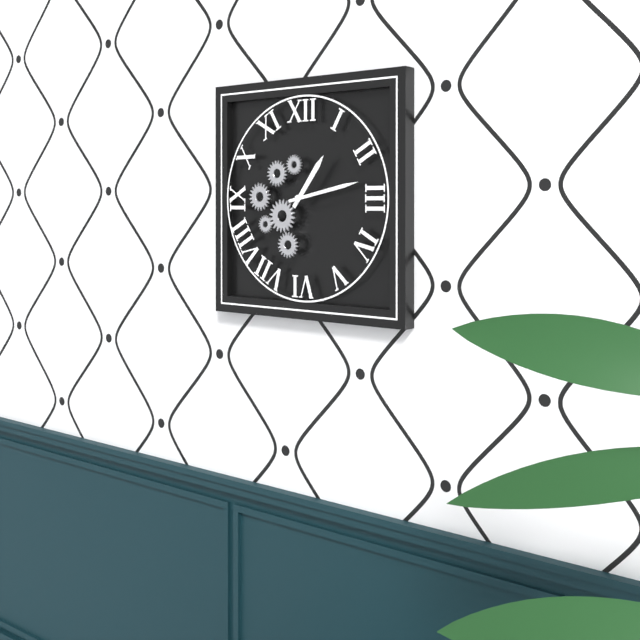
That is h=1 m=13
